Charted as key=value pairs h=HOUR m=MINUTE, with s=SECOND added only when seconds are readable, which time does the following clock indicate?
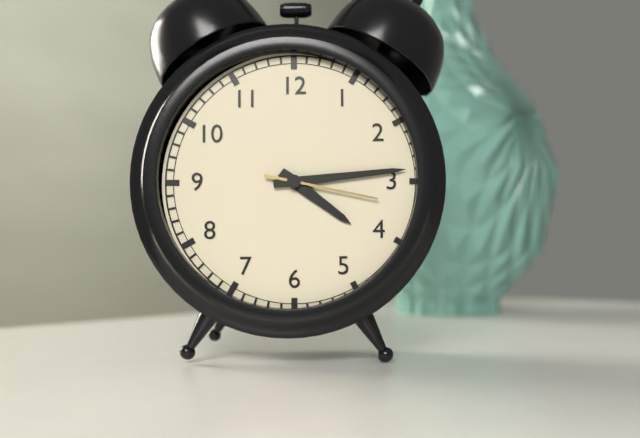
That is h=4 m=14 s=17
